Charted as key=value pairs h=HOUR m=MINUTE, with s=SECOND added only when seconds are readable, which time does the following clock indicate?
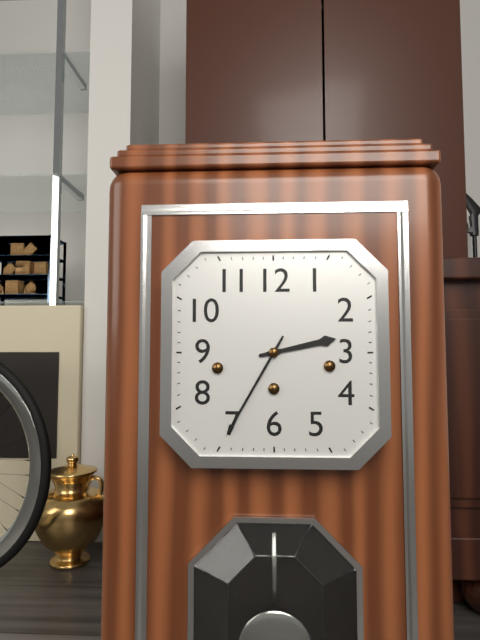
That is h=2 m=35
